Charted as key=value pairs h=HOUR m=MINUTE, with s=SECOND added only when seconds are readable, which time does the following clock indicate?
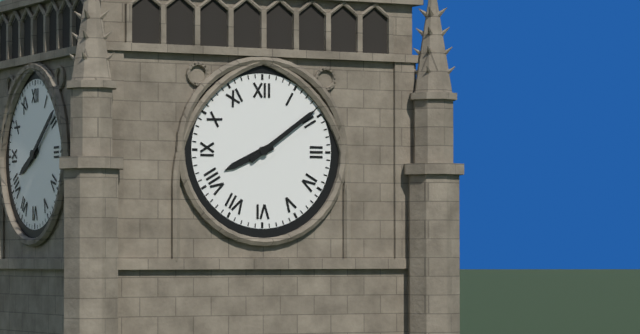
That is h=8 m=9
